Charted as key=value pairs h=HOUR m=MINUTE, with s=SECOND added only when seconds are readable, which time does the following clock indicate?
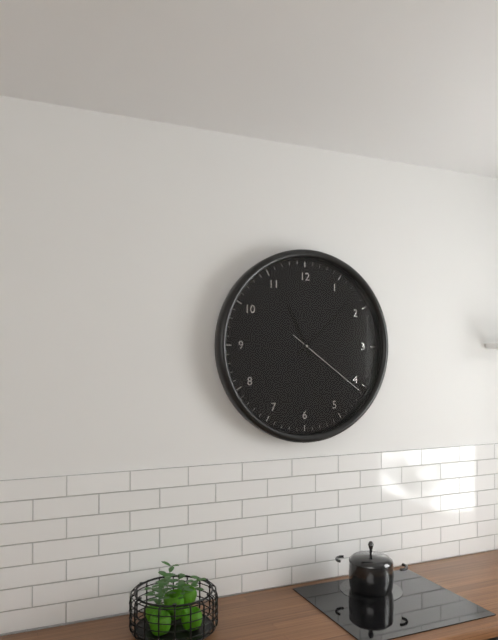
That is h=11 m=8 s=21
